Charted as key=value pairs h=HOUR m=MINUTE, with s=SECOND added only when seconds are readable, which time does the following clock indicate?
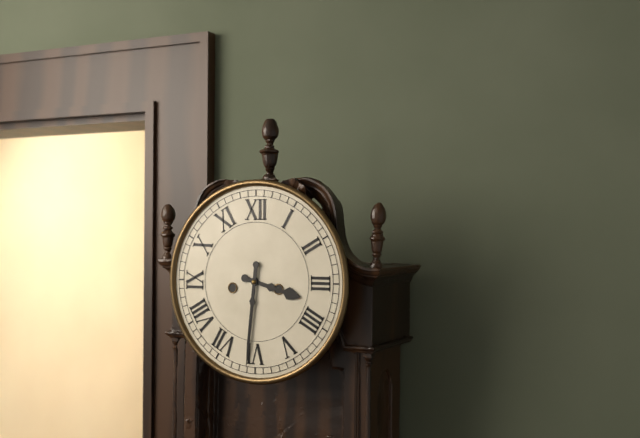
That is h=3 m=31
